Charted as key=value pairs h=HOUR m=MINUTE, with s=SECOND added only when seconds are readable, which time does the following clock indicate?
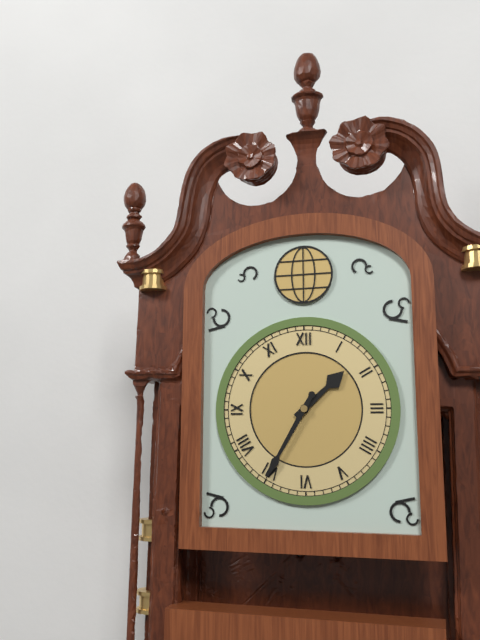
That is h=1 m=35
